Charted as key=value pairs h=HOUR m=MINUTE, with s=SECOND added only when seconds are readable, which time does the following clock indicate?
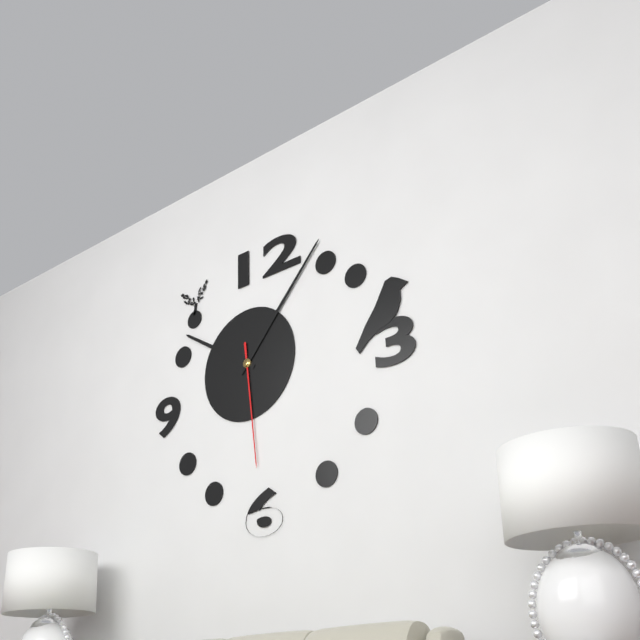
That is h=10 m=7 s=29
